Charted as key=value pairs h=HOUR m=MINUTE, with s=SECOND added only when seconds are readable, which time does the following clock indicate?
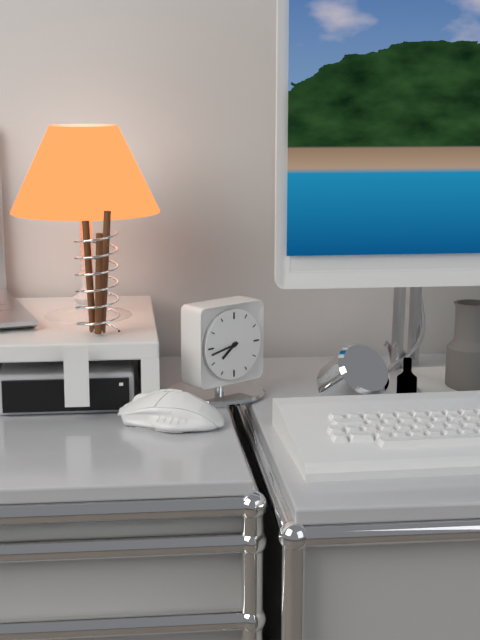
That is h=7 m=43
